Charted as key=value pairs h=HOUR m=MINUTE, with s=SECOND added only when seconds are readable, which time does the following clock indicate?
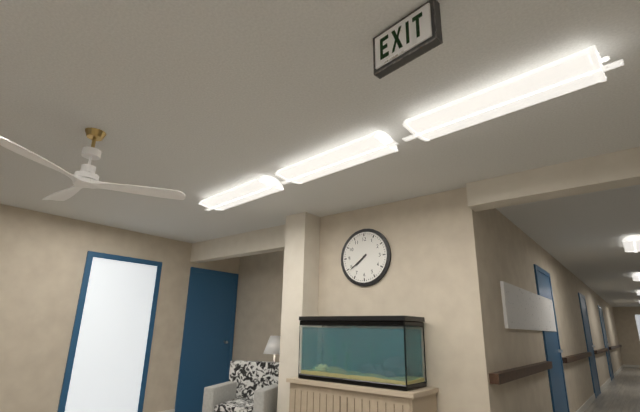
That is h=7 m=39
